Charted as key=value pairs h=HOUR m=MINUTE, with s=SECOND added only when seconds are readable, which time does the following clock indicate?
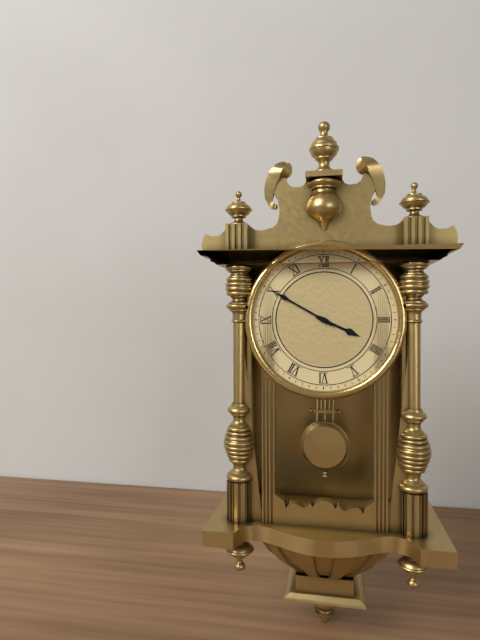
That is h=3 m=50
